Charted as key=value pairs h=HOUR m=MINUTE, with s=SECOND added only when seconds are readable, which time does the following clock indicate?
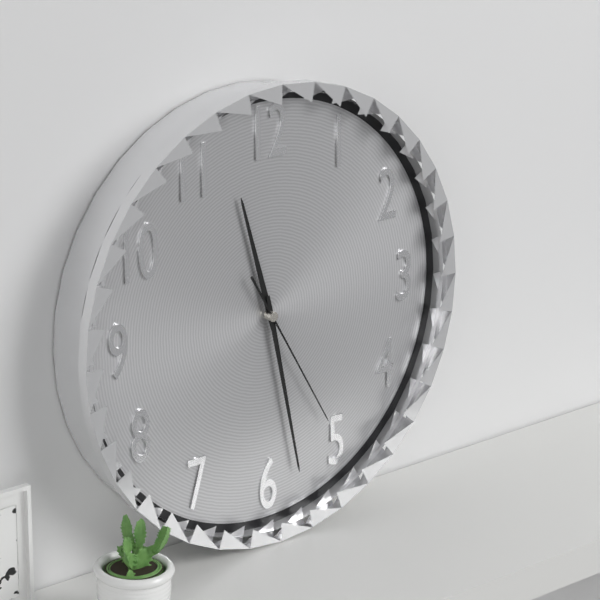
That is h=11 m=28 s=25
